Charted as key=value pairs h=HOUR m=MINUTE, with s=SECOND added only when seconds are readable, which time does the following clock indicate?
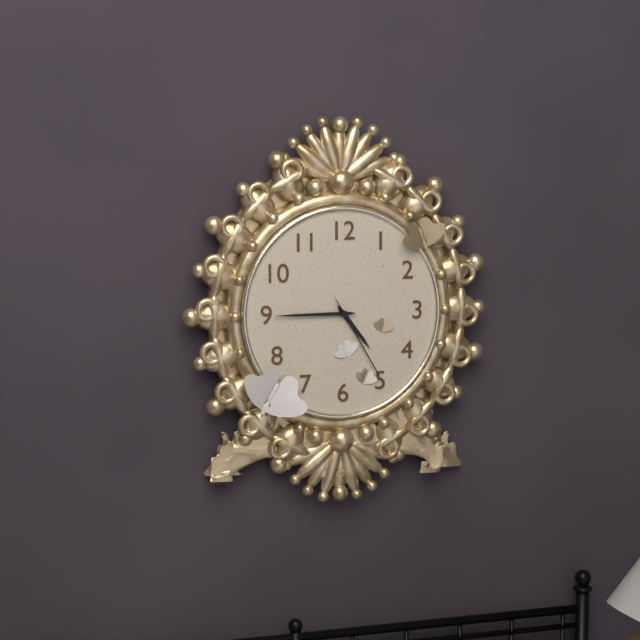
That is h=4 m=45 s=25
